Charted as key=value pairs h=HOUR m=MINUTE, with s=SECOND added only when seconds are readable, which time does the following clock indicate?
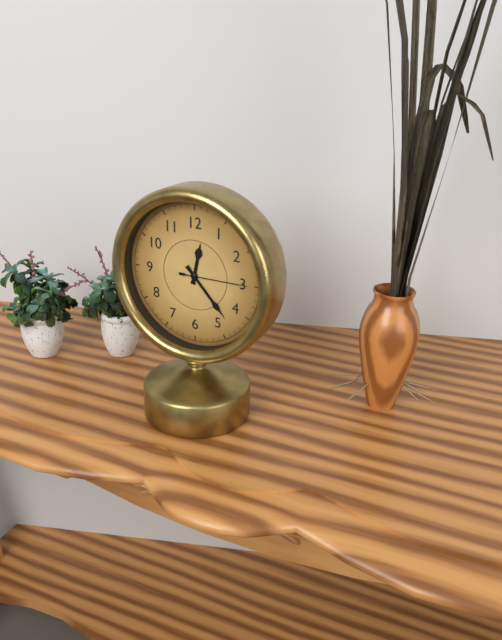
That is h=12 m=23 s=15
